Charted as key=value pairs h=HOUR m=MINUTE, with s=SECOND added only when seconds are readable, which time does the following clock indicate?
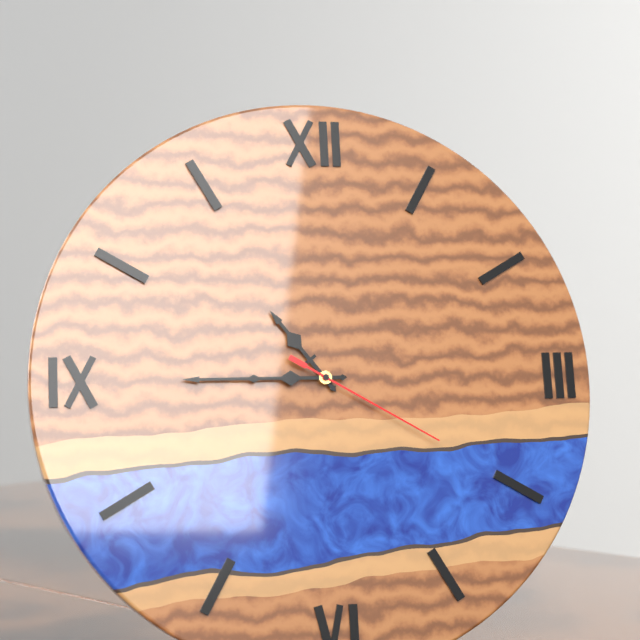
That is h=10 m=45 s=20
